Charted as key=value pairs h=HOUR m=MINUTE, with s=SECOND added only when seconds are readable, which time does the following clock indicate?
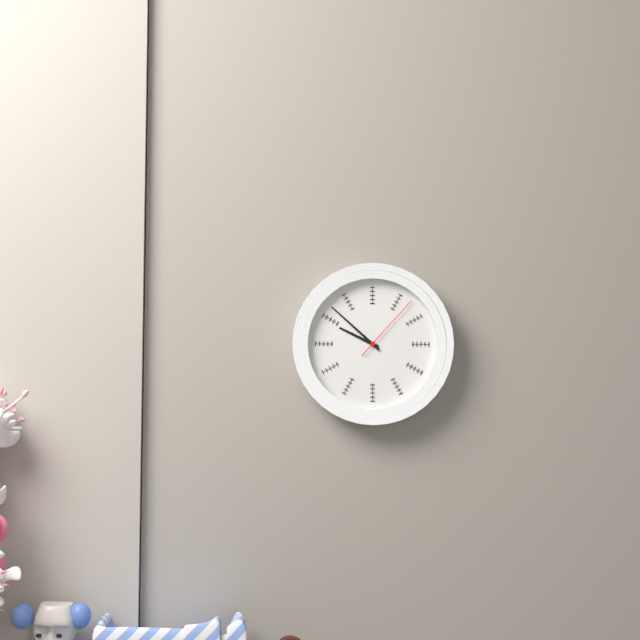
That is h=9 m=52 s=7
